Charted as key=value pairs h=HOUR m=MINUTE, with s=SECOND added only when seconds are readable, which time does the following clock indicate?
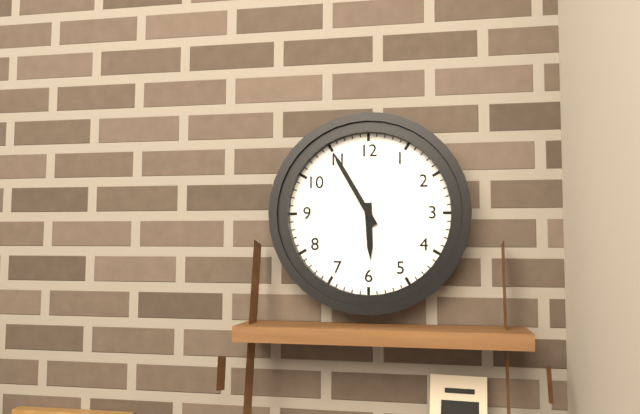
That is h=5 m=55
